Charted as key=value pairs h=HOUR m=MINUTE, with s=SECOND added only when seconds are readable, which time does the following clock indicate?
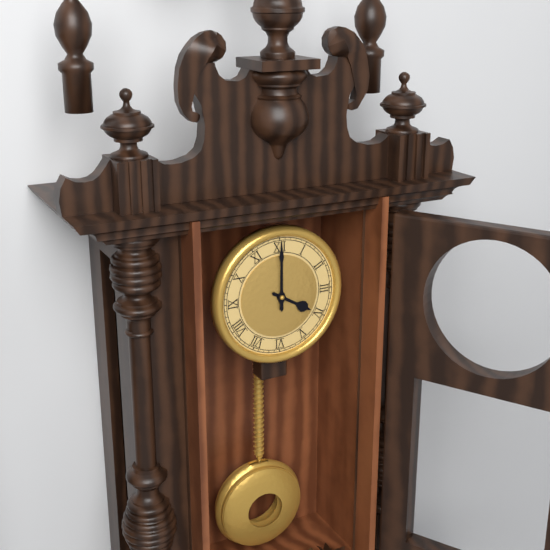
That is h=4 m=0
